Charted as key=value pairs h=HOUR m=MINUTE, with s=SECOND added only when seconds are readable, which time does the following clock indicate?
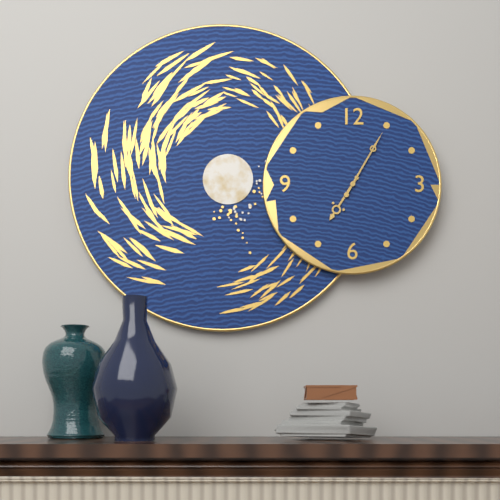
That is h=7 m=5
